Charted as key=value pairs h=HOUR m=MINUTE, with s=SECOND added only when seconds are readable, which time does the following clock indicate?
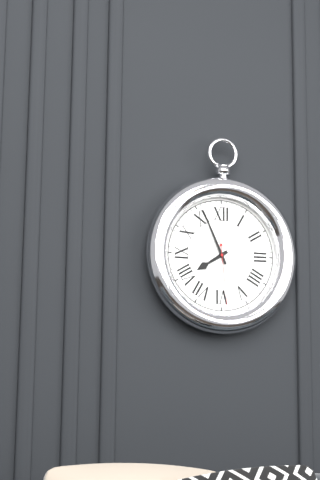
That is h=7 m=56 s=29
